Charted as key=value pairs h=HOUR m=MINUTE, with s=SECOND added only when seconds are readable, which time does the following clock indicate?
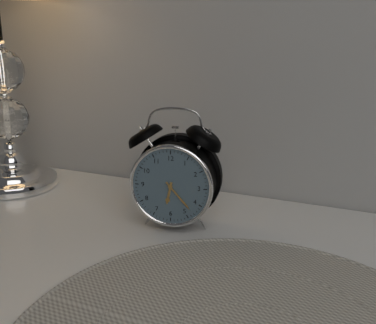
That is h=6 m=23
